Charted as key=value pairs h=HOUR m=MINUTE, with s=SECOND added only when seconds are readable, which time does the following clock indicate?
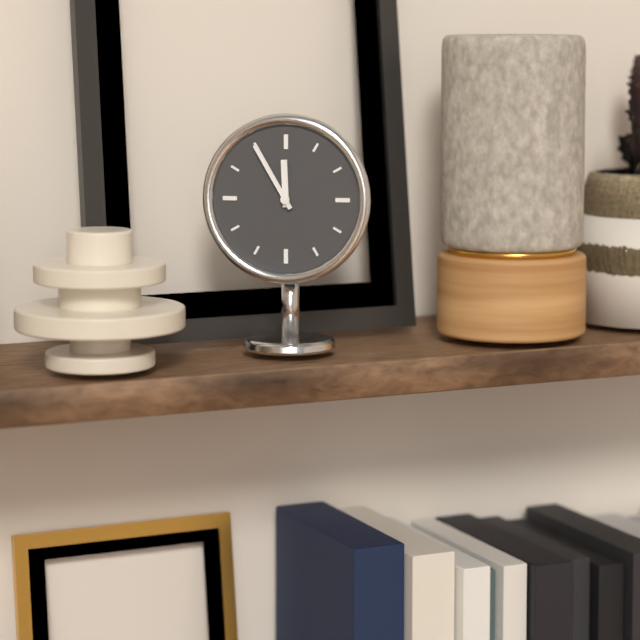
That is h=11 m=55
